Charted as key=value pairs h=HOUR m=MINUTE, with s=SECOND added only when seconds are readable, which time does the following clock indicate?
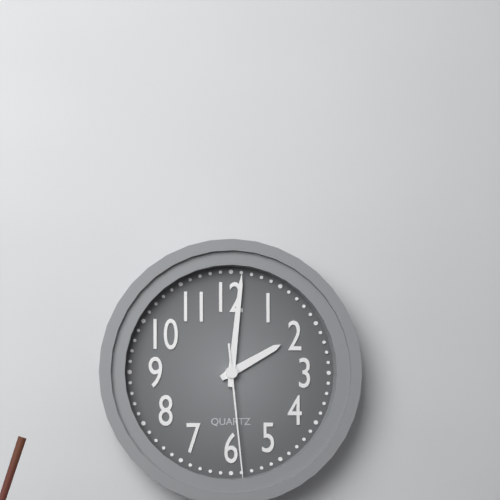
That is h=2 m=1 s=29
